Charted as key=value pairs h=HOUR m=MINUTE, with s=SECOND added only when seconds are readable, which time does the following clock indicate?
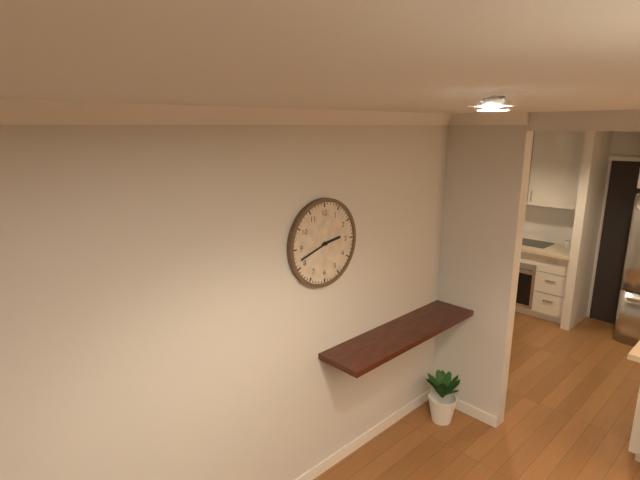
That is h=2 m=42
